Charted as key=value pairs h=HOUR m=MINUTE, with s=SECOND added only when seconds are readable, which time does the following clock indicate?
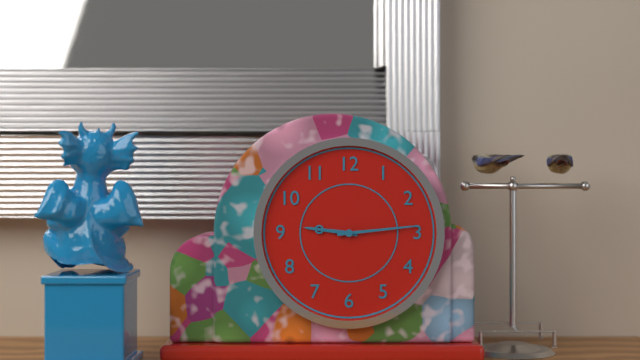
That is h=9 m=14
